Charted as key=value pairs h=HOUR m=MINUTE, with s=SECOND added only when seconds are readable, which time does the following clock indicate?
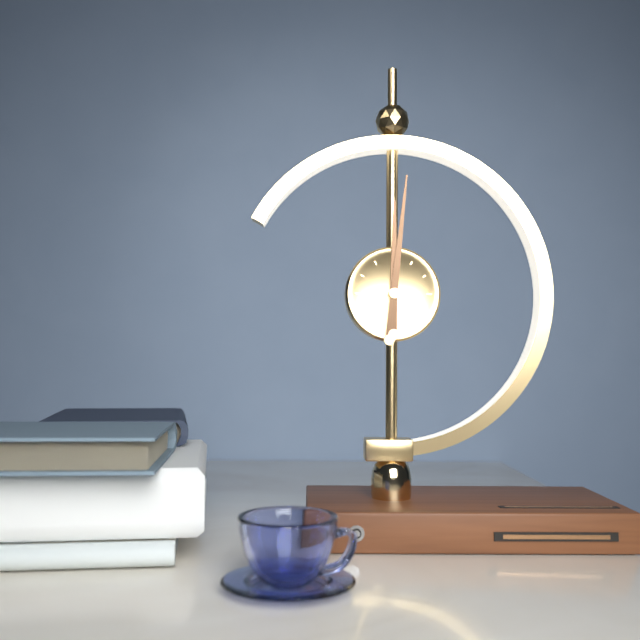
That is h=12 m=1
